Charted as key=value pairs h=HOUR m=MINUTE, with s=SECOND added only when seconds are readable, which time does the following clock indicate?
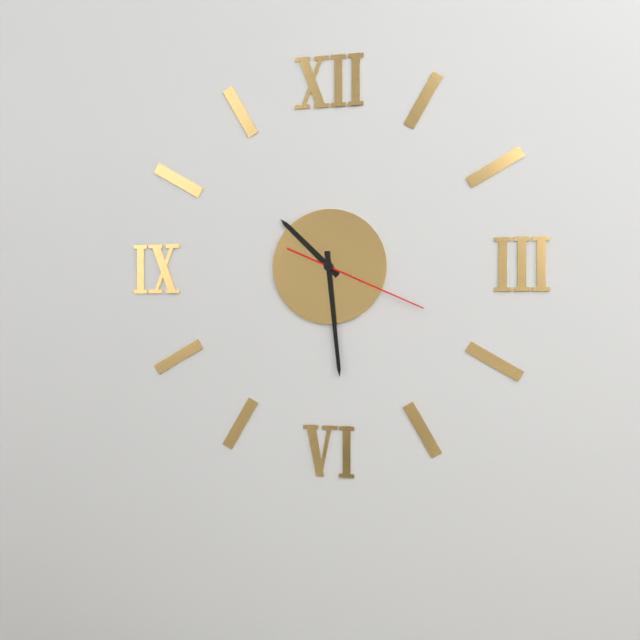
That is h=10 m=29 s=19
